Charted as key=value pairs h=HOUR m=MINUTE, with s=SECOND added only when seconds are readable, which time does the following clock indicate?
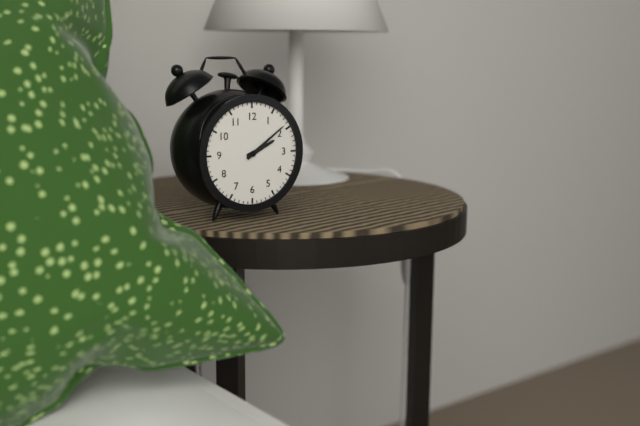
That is h=2 m=9
